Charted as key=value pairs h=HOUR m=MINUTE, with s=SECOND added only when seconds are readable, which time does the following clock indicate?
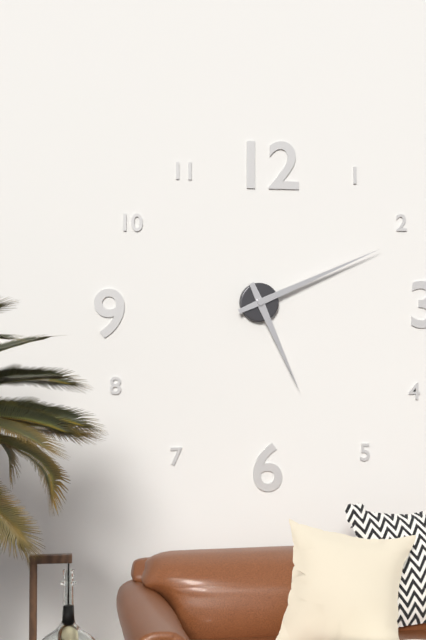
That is h=5 m=11
